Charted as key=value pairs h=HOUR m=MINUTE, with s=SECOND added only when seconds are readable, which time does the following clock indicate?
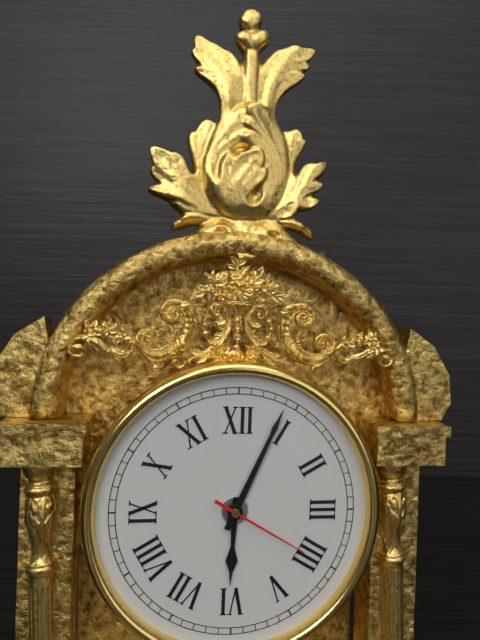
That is h=6 m=4 s=20
